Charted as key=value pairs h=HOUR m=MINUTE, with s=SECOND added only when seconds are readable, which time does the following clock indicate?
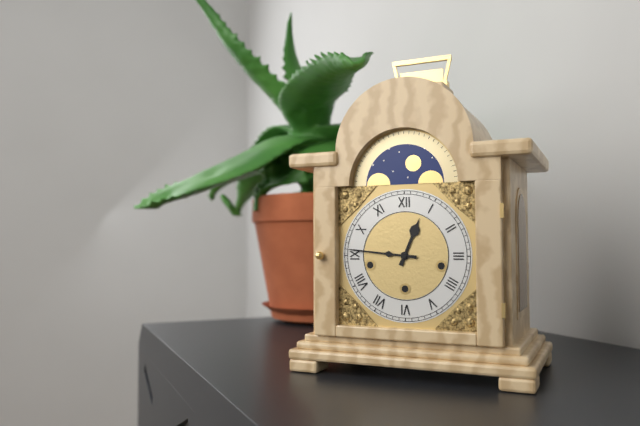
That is h=12 m=46
